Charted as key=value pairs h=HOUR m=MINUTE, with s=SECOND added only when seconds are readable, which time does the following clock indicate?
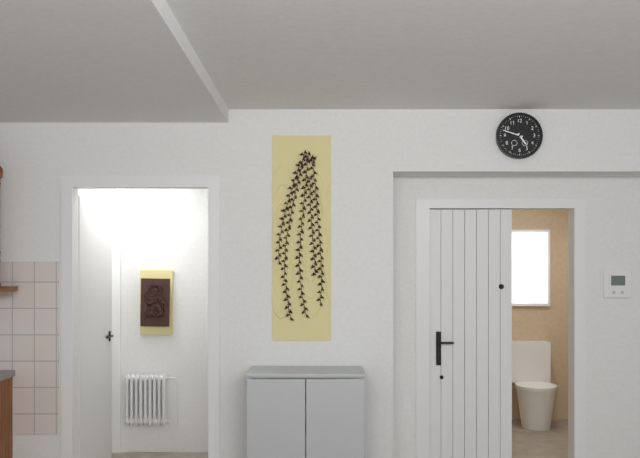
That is h=4 m=48
